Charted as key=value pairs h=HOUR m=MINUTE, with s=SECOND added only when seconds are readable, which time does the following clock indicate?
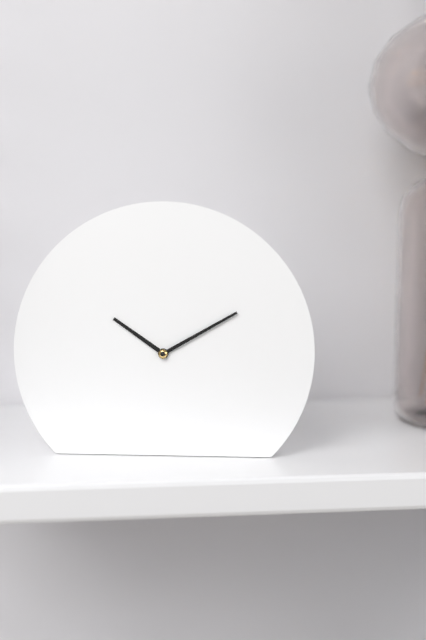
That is h=10 m=10
